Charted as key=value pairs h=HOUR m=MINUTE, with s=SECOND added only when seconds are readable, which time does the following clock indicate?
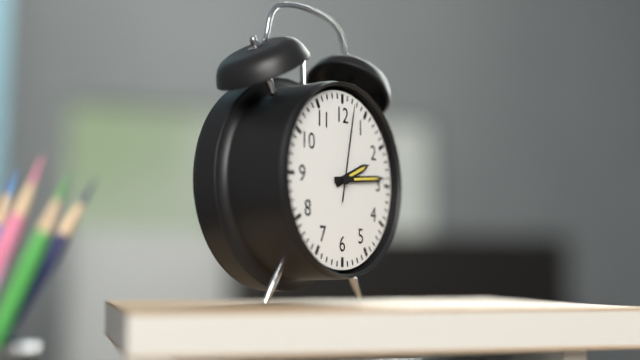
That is h=2 m=14 s=2
